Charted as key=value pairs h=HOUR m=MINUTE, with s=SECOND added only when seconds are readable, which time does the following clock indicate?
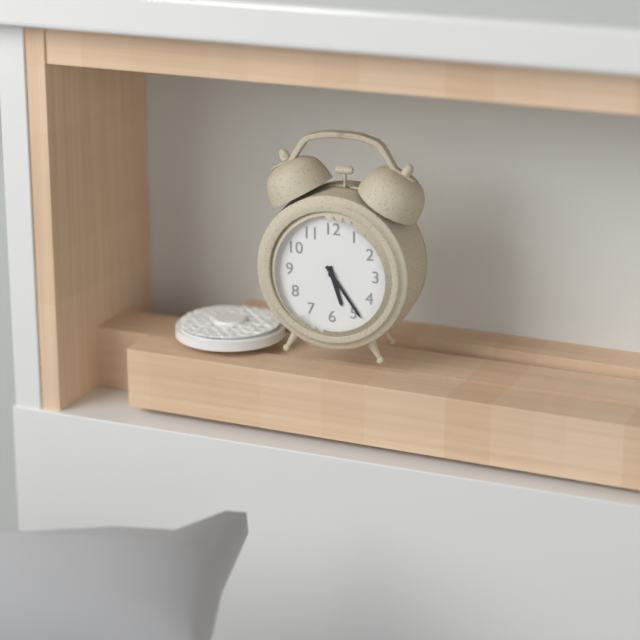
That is h=5 m=24
